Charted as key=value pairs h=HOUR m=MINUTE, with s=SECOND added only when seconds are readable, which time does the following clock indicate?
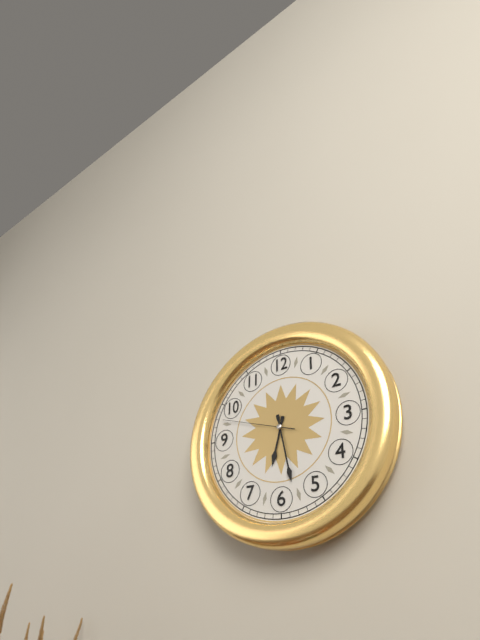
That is h=6 m=28 s=48
